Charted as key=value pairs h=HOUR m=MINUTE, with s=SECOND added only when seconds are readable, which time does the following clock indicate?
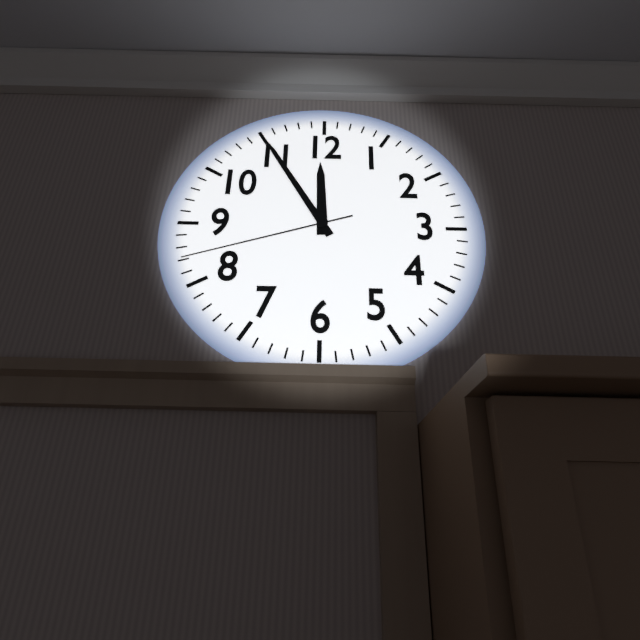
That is h=11 m=55 s=42
